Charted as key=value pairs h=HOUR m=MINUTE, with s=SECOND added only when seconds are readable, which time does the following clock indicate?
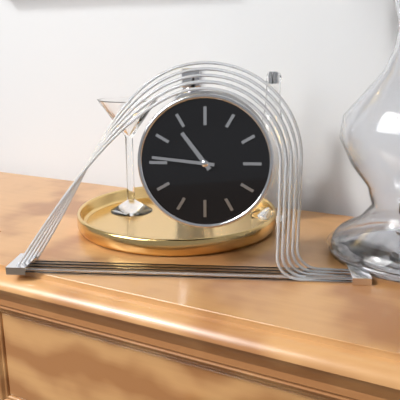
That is h=10 m=46
